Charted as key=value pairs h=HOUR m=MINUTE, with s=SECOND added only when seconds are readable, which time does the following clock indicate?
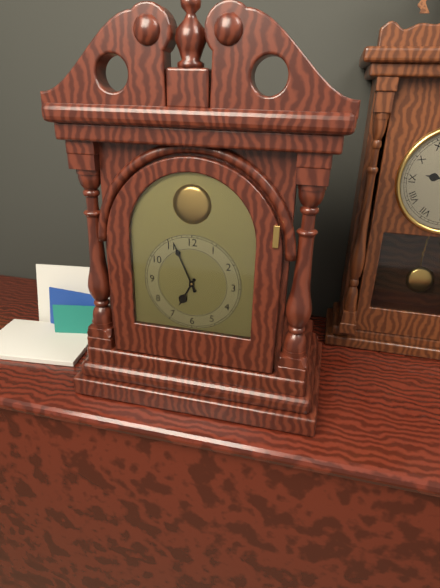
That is h=6 m=56
